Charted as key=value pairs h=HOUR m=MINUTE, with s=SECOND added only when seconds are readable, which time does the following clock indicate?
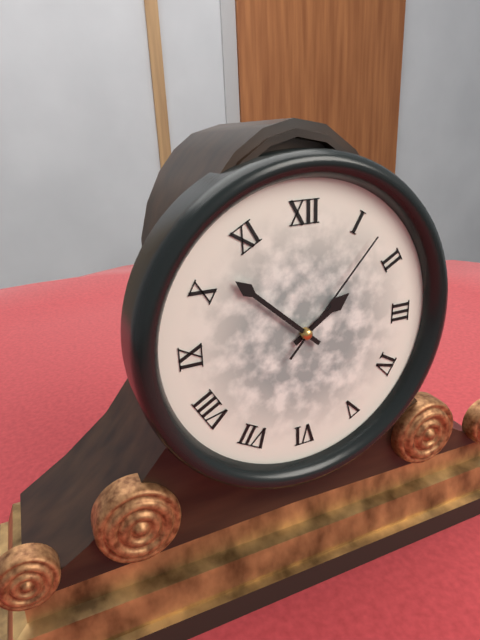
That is h=1 m=52 s=7
